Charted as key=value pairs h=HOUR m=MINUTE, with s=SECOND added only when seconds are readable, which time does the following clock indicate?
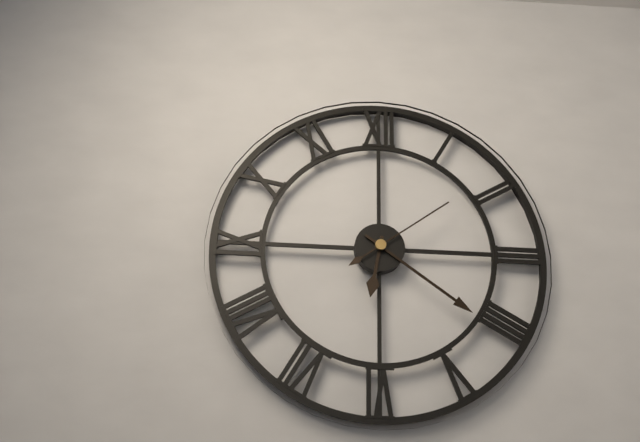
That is h=6 m=21 s=9
